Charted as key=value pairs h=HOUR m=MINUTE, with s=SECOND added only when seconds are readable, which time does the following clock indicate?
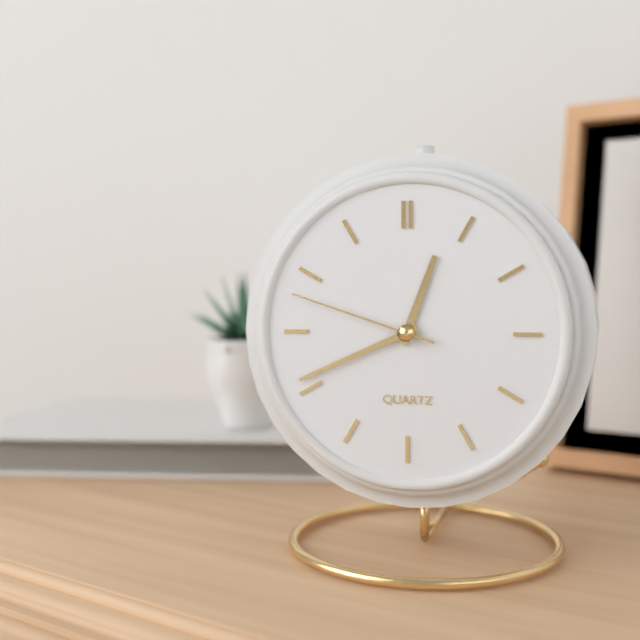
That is h=12 m=41 s=48
